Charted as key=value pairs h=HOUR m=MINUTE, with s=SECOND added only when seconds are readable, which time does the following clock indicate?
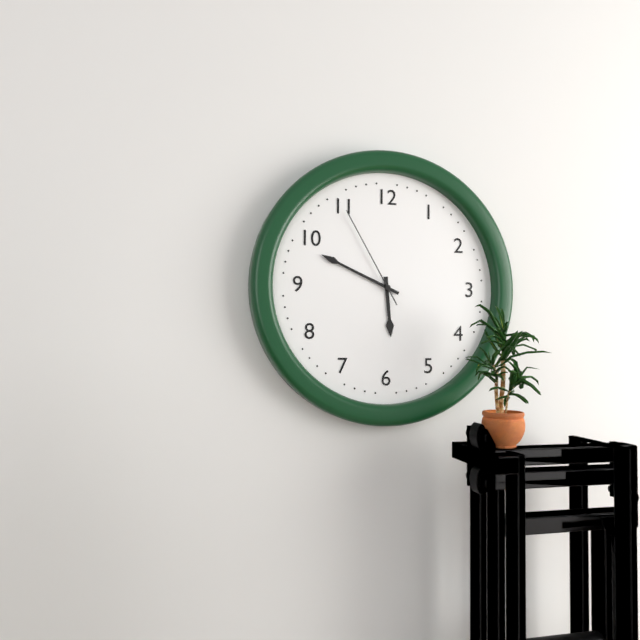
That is h=5 m=49 s=55
